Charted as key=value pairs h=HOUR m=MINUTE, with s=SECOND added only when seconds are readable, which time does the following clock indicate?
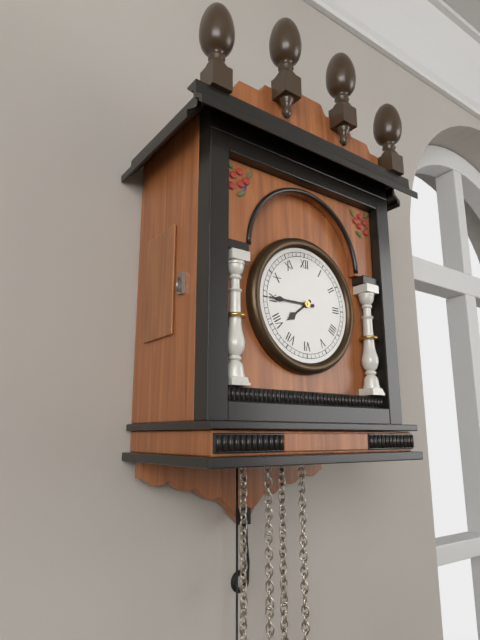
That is h=7 m=45
